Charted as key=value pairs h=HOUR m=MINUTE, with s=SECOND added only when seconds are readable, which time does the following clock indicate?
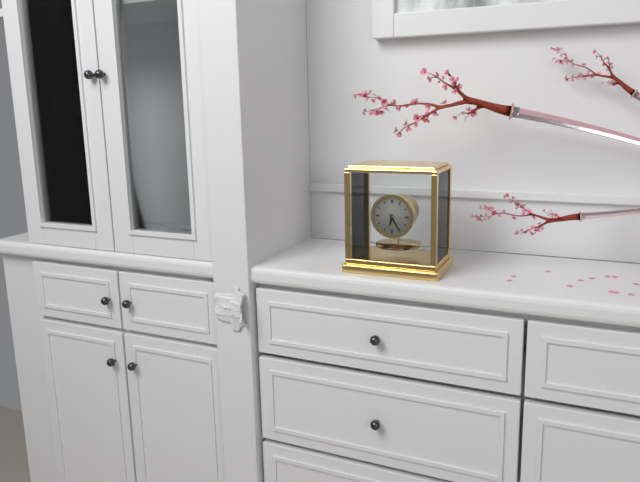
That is h=6 m=25
